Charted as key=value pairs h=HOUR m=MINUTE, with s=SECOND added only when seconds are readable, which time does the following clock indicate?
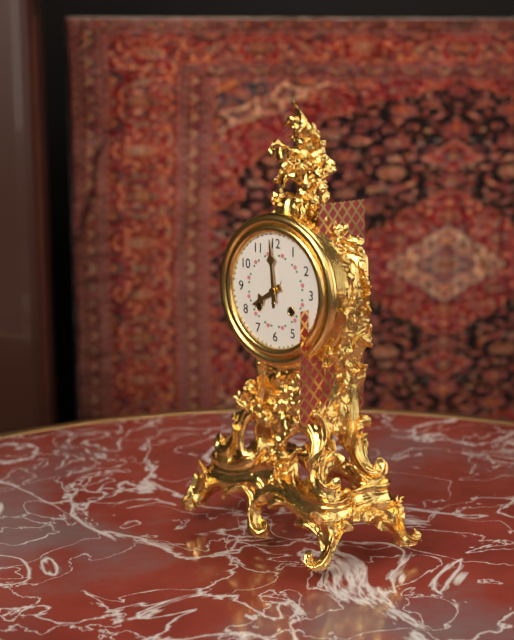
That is h=7 m=59
